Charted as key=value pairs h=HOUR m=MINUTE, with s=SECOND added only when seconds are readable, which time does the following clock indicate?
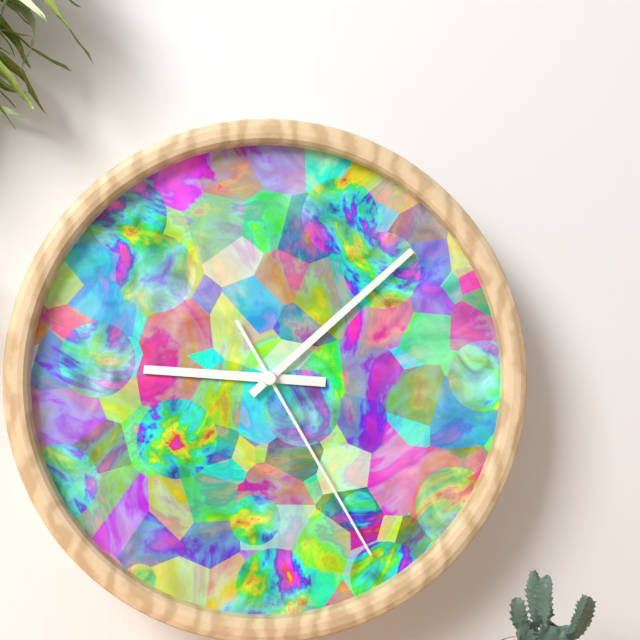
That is h=9 m=8 s=25
